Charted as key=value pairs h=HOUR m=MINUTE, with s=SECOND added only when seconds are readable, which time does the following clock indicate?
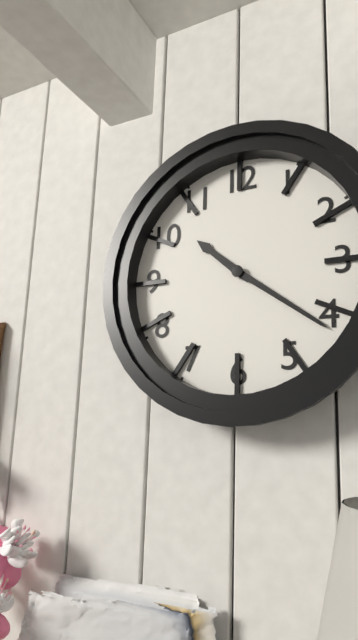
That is h=10 m=21
